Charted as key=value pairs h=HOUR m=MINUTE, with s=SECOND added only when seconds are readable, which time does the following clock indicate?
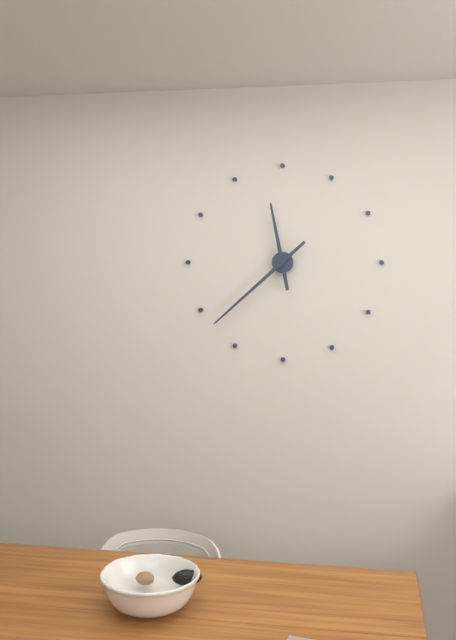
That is h=11 m=38
